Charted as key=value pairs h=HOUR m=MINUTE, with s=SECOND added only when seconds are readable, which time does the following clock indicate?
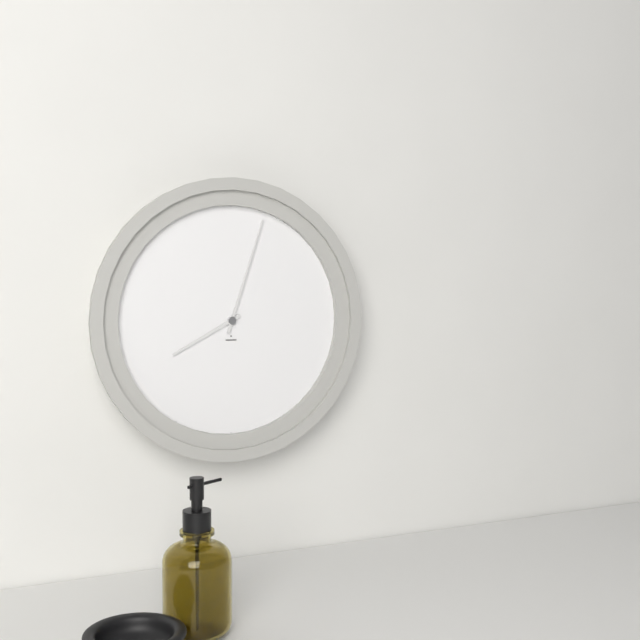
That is h=8 m=3
